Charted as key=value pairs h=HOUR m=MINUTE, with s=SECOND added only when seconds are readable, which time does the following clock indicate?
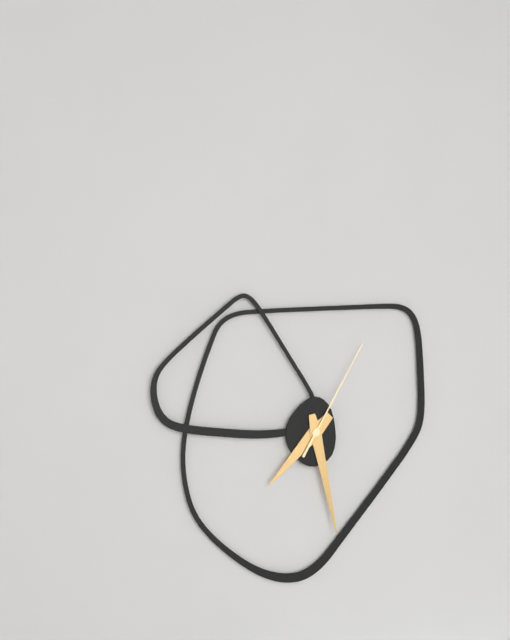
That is h=7 m=28 s=5
